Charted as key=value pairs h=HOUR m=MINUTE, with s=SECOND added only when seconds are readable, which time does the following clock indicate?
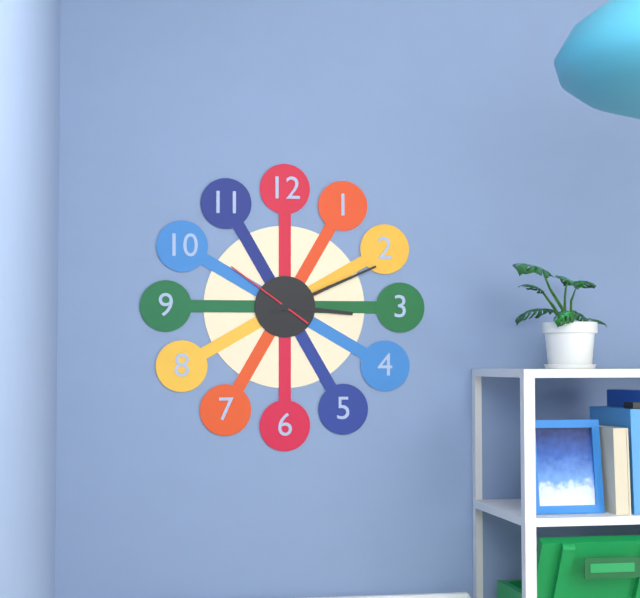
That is h=3 m=11 s=51
